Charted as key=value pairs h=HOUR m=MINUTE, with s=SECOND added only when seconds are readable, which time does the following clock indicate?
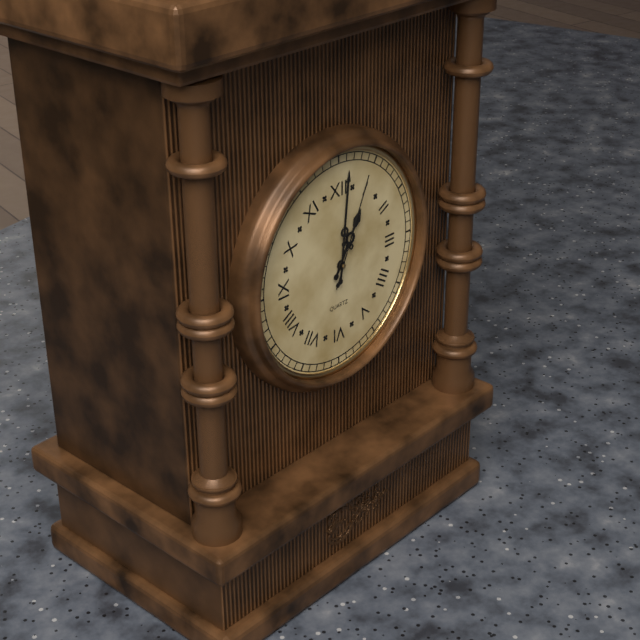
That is h=1 m=1 s=4
